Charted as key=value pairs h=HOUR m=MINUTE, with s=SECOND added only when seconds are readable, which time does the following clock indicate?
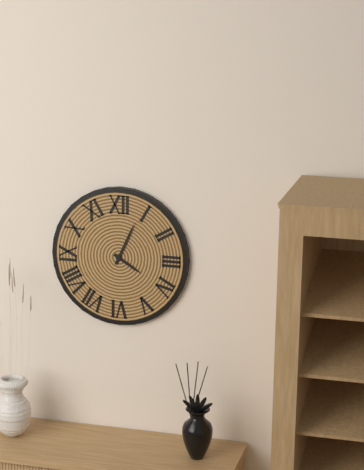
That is h=4 m=4
